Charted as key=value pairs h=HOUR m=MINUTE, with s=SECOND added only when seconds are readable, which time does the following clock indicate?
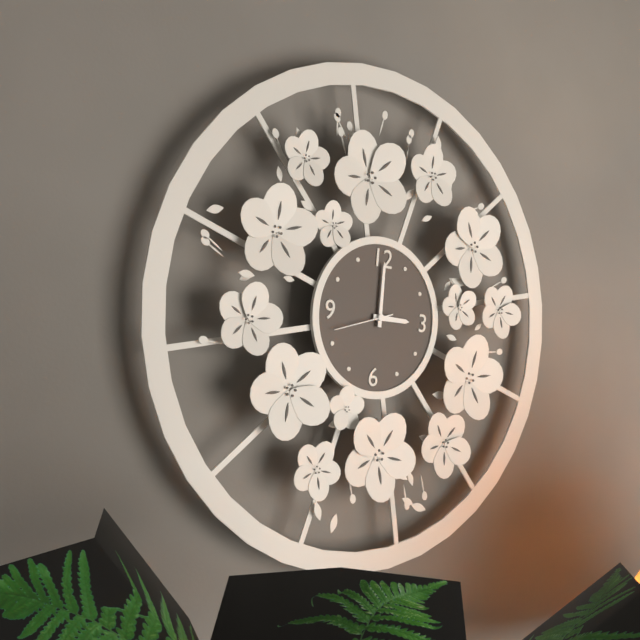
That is h=3 m=0 s=42
